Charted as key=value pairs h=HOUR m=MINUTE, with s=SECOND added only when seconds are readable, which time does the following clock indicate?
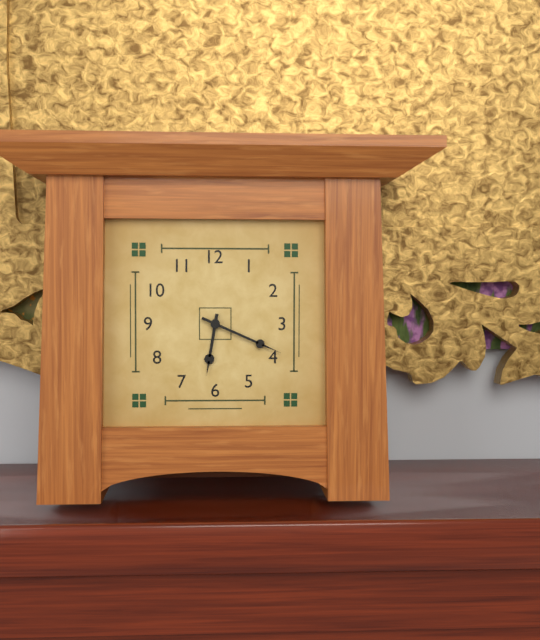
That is h=6 m=19
